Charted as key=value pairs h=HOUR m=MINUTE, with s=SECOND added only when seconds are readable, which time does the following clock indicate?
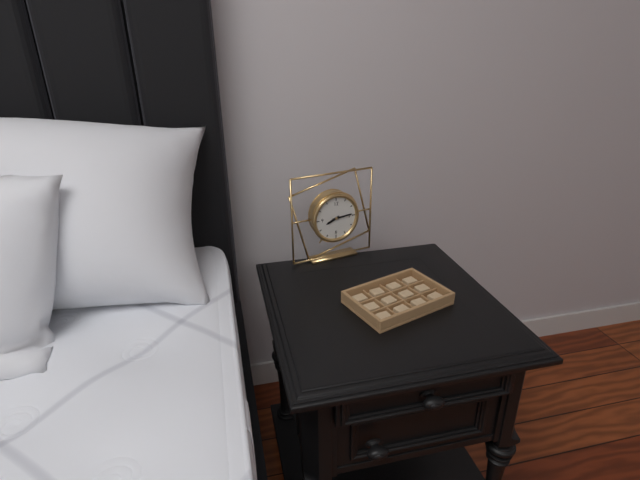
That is h=8 m=14
